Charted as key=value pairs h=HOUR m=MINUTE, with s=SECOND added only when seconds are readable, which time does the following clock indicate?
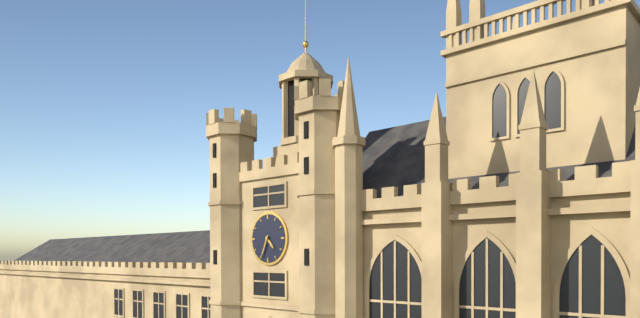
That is h=4 m=34
